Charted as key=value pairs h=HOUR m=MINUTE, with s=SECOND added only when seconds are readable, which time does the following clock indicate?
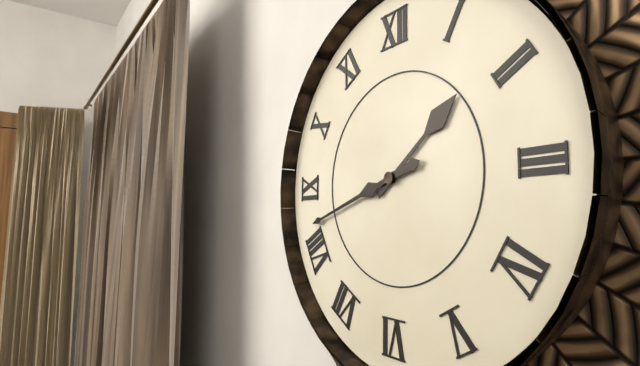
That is h=1 m=42
